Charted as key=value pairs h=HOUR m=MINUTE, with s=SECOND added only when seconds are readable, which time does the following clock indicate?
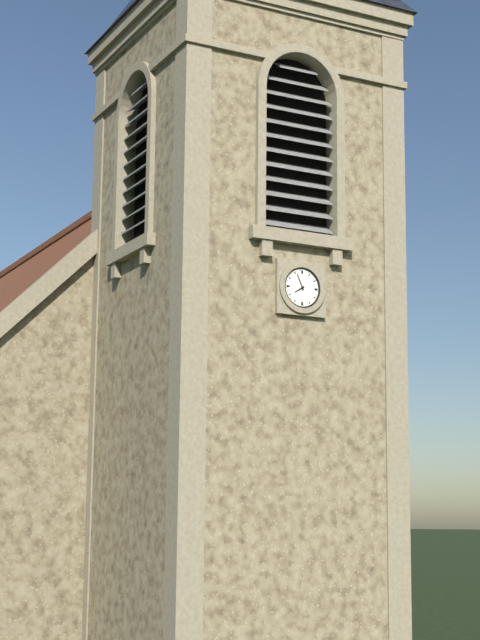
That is h=7 m=56
